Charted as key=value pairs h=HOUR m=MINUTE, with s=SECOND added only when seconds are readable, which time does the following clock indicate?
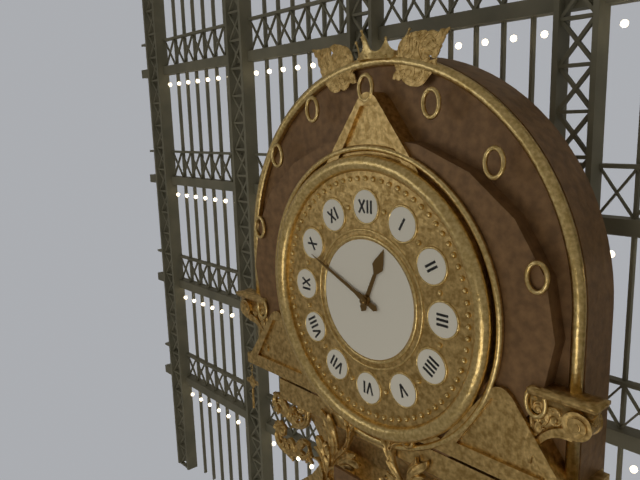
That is h=12 m=49
